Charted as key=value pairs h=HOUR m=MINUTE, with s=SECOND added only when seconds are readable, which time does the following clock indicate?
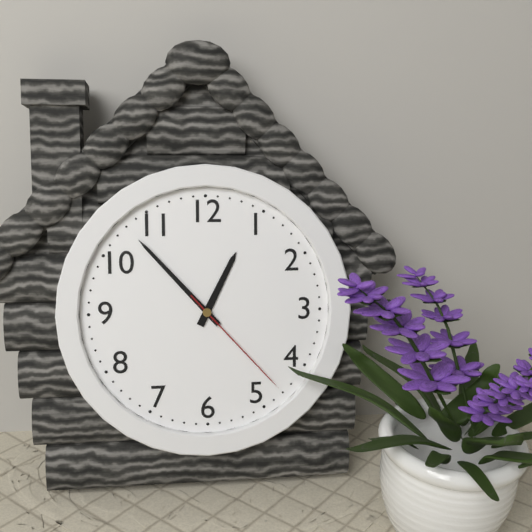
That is h=12 m=53 s=23
